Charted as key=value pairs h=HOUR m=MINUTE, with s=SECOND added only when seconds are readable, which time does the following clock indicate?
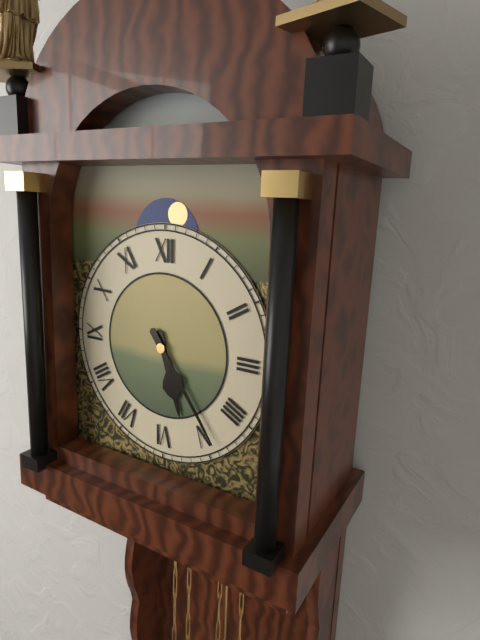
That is h=5 m=24
